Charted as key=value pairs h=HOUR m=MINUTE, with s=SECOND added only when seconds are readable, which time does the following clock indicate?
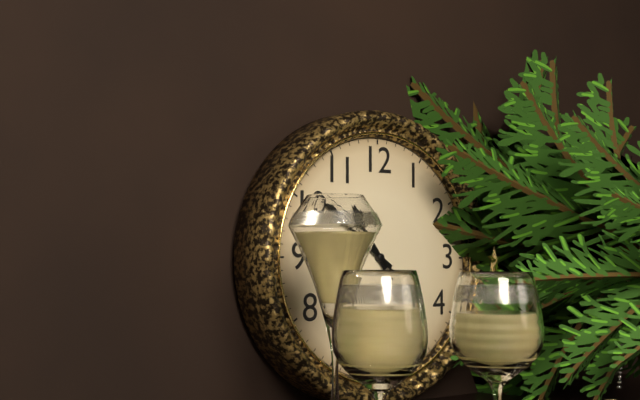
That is h=10 m=51 s=52
